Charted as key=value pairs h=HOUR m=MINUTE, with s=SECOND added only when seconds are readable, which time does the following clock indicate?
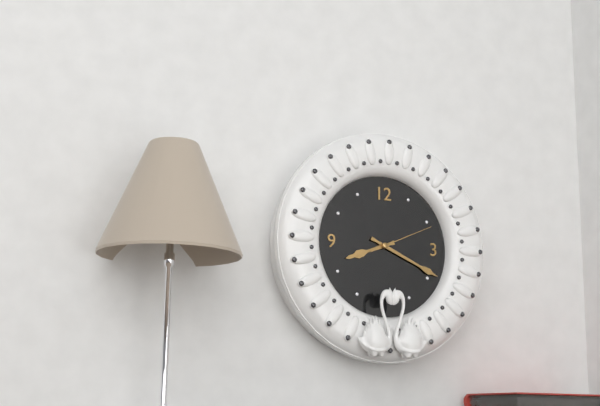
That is h=8 m=19 s=11
